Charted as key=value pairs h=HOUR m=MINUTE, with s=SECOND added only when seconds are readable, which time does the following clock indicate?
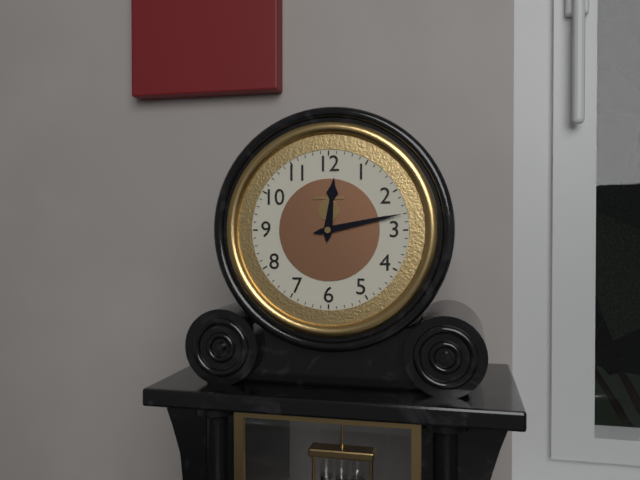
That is h=12 m=13
